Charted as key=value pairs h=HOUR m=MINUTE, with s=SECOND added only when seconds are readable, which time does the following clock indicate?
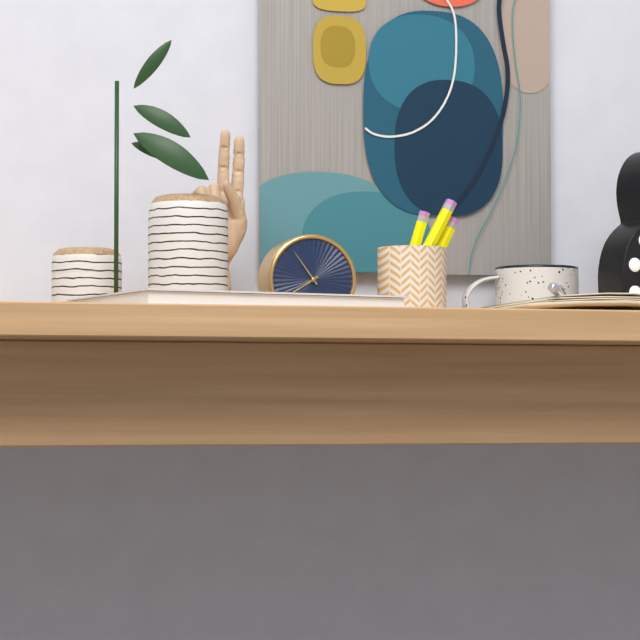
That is h=7 m=54
